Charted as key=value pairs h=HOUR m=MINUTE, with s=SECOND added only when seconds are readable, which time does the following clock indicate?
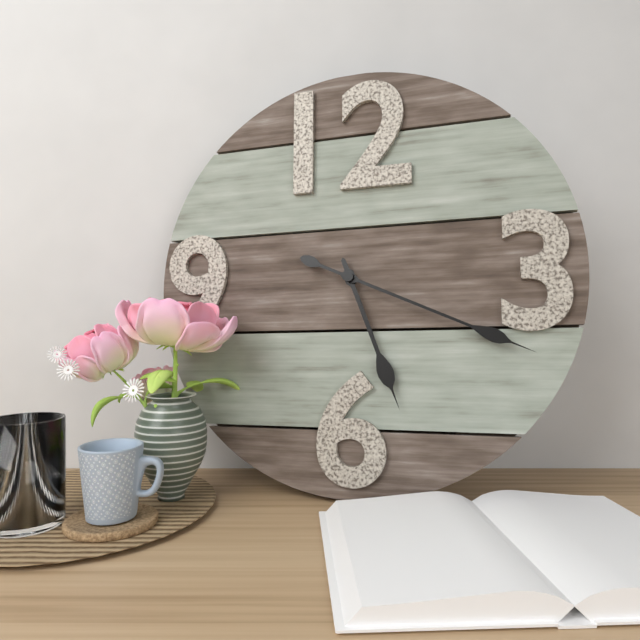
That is h=5 m=19
